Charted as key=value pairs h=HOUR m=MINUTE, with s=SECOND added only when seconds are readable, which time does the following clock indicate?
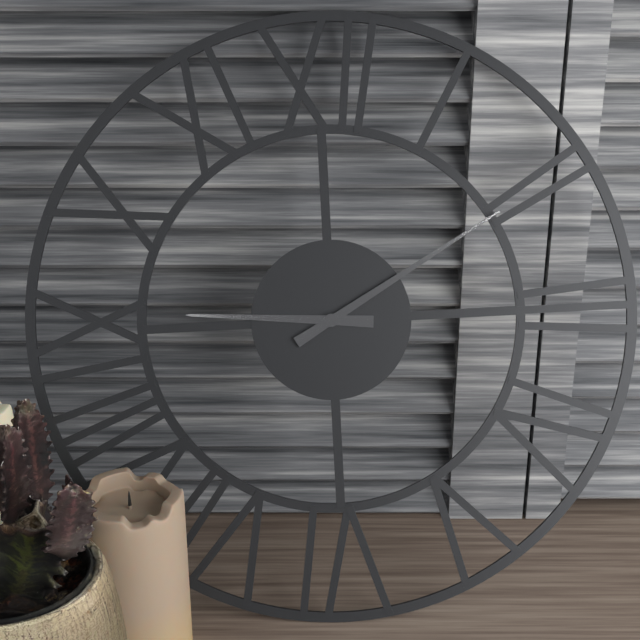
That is h=9 m=10
